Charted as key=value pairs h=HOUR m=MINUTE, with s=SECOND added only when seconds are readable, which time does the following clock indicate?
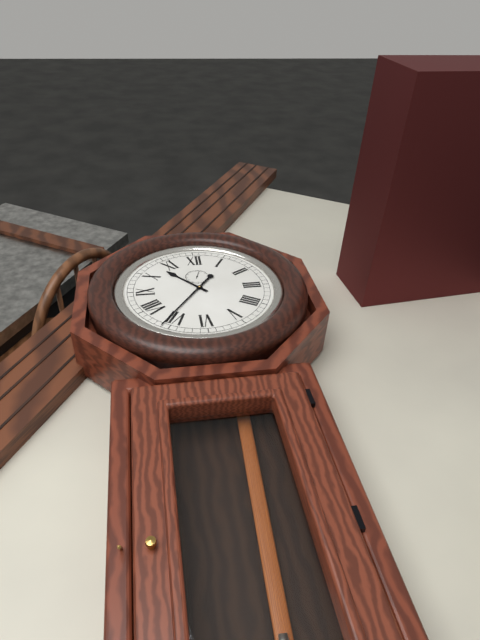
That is h=10 m=36
